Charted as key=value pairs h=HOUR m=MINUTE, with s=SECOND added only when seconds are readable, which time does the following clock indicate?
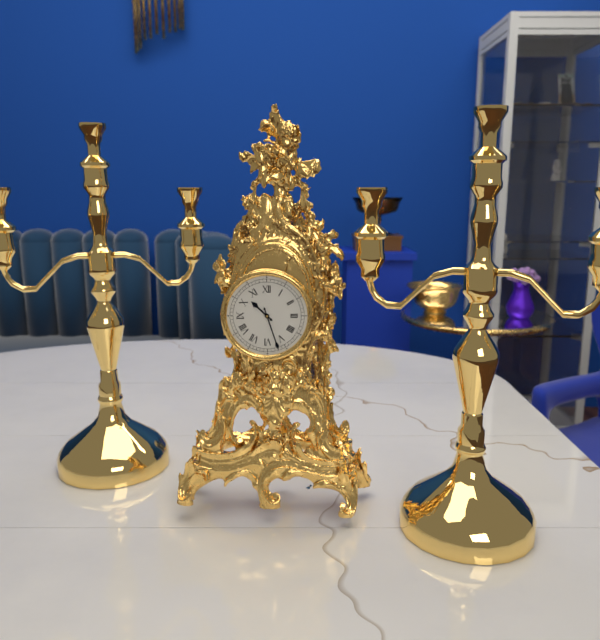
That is h=10 m=27
